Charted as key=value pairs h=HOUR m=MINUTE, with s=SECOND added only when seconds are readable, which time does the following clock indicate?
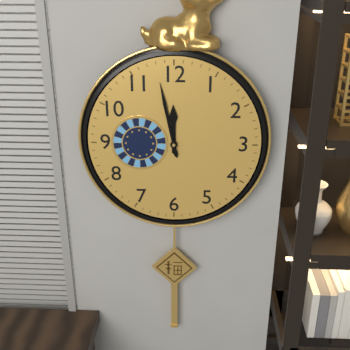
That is h=11 m=58
